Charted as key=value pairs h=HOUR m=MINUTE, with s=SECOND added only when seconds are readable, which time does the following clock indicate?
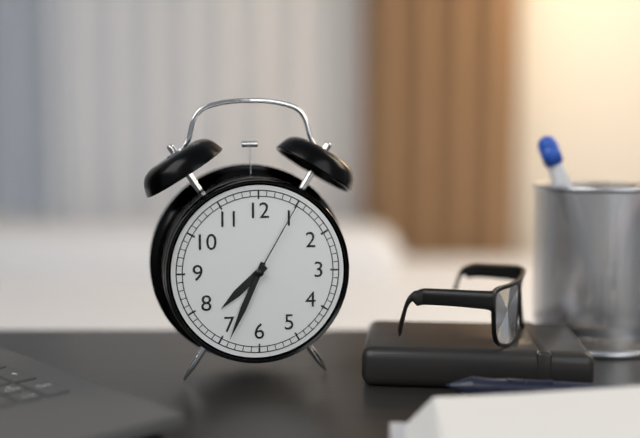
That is h=7 m=34 s=5
